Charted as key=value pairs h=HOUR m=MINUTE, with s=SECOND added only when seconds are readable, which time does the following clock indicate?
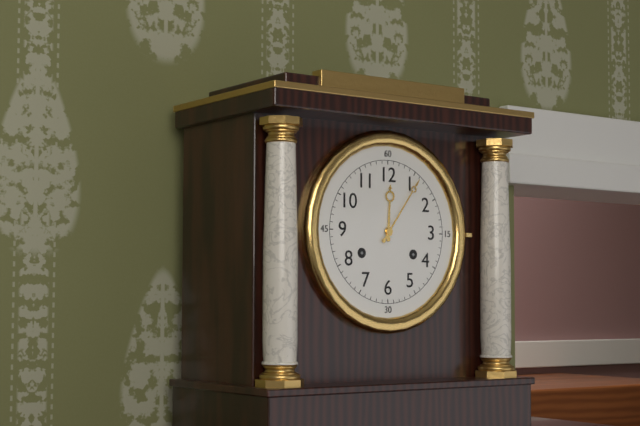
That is h=12 m=6
